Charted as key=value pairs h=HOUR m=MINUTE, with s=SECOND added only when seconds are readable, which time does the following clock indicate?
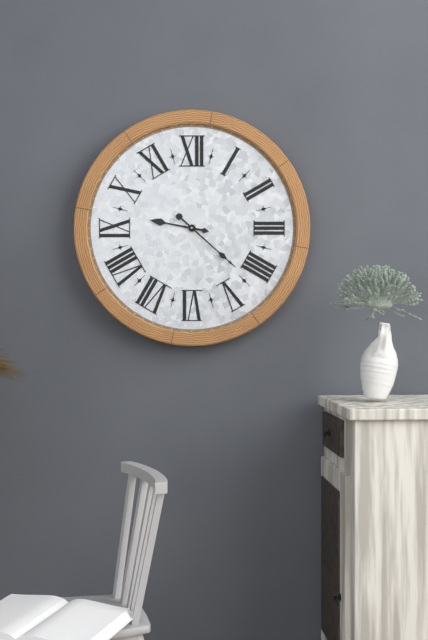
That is h=9 m=22
